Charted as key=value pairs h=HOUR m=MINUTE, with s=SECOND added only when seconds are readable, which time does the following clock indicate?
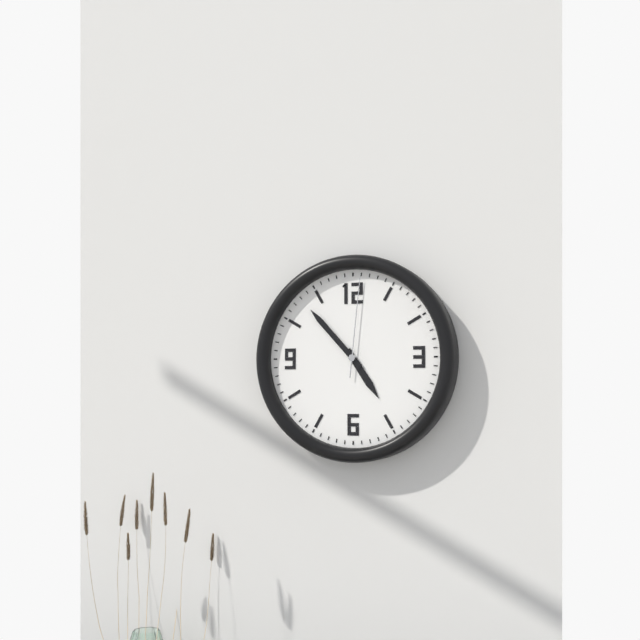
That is h=4 m=53 s=1
